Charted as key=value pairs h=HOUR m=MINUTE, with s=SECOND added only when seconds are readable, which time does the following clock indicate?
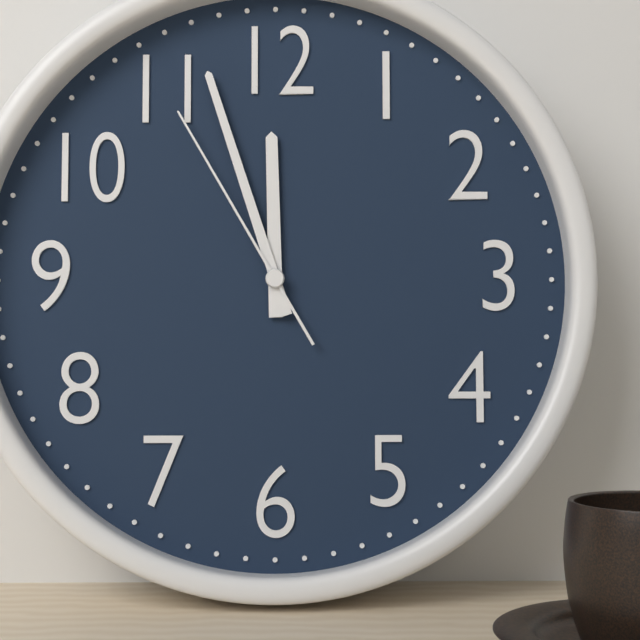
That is h=11 m=57 s=55
